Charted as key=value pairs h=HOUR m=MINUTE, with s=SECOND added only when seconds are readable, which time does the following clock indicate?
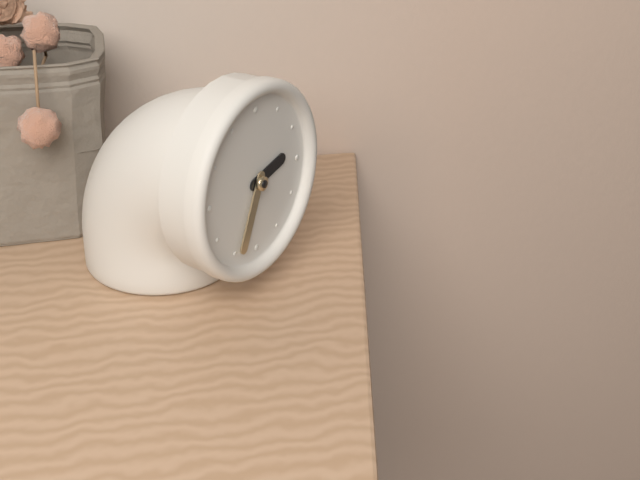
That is h=2 m=34
